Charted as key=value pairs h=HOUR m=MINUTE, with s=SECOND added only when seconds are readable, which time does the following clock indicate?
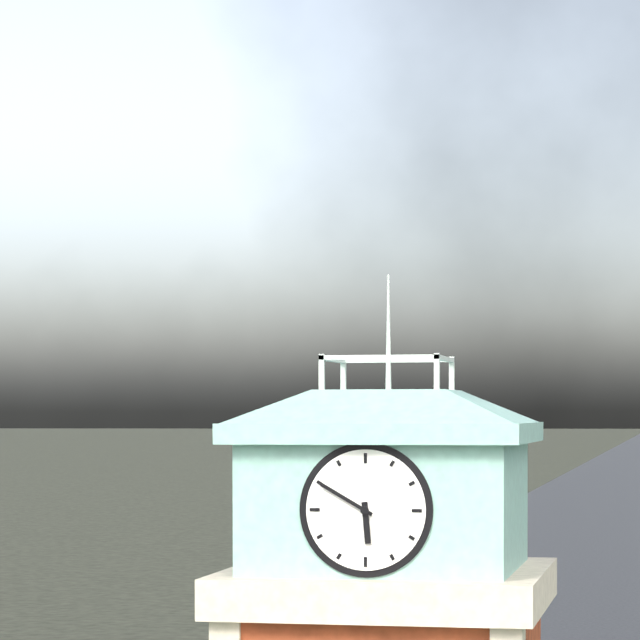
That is h=5 m=50
